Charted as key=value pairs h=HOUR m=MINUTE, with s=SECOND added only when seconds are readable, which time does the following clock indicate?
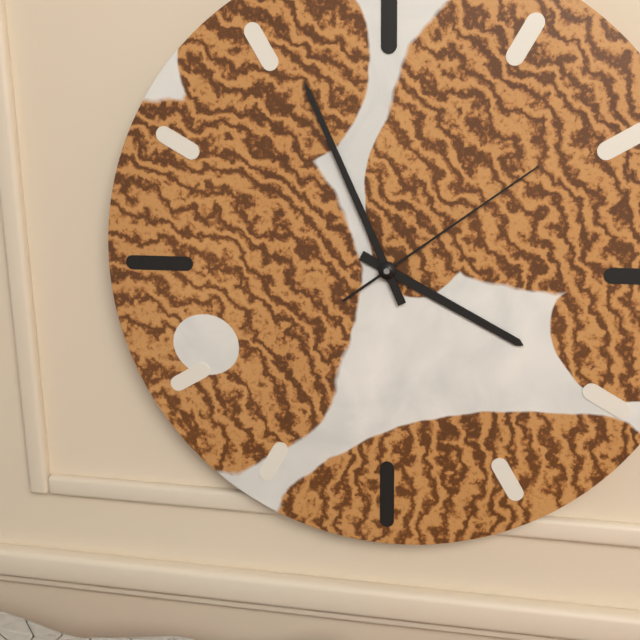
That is h=3 m=56 s=9
